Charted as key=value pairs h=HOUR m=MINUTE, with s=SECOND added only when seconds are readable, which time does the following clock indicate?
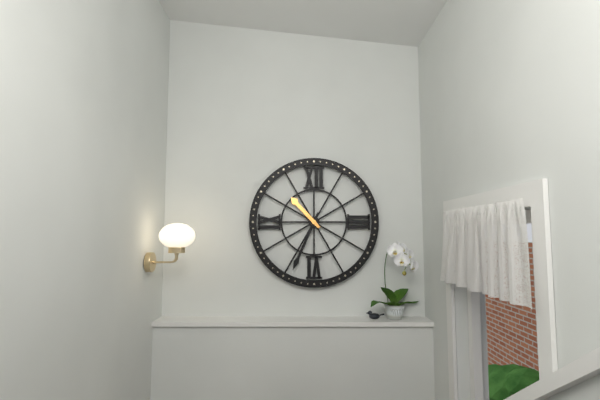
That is h=10 m=34
